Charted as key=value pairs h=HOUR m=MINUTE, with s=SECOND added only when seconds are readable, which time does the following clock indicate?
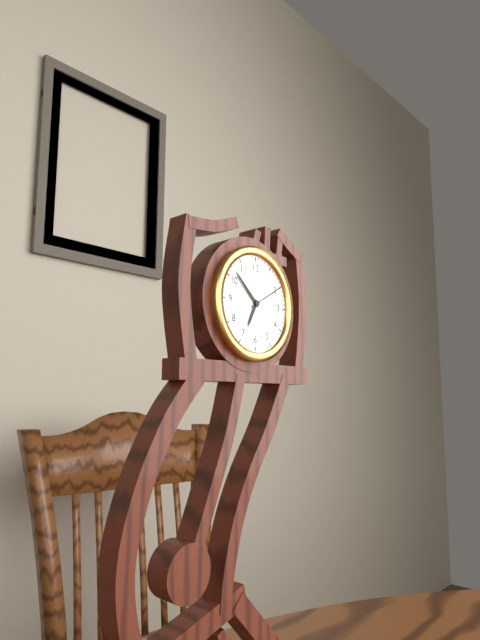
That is h=6 m=52
